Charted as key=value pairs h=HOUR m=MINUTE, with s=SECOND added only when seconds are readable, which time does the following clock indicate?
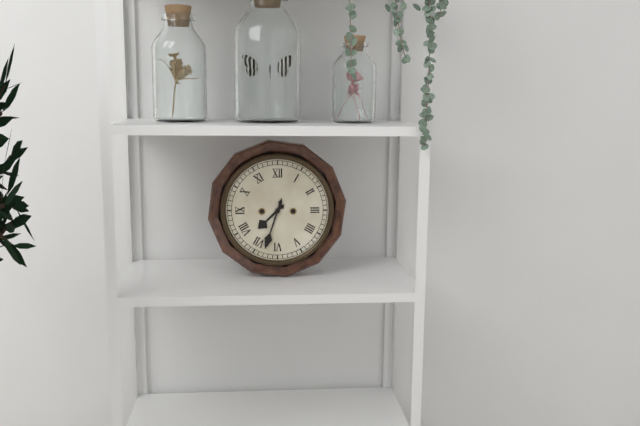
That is h=7 m=33
